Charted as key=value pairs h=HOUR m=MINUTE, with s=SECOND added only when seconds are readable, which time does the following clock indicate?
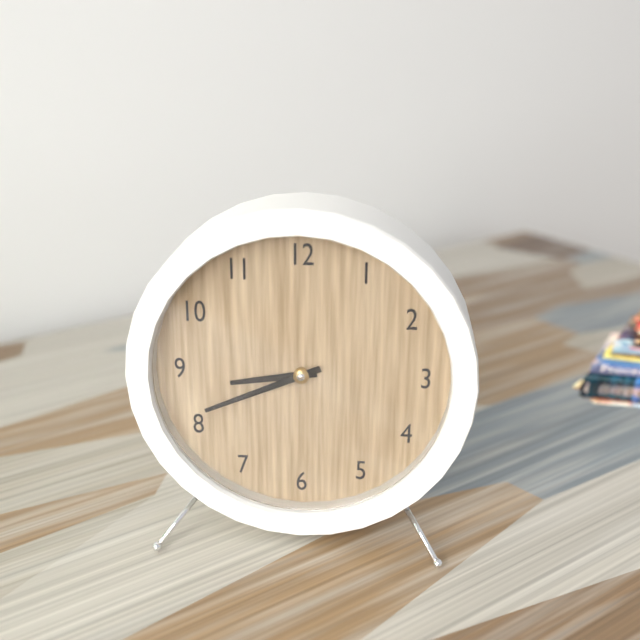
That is h=8 m=41
